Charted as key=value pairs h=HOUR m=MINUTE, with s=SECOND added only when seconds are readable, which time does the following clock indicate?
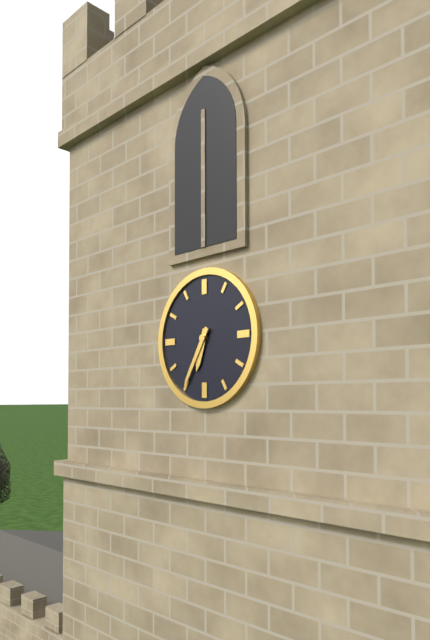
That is h=6 m=35
